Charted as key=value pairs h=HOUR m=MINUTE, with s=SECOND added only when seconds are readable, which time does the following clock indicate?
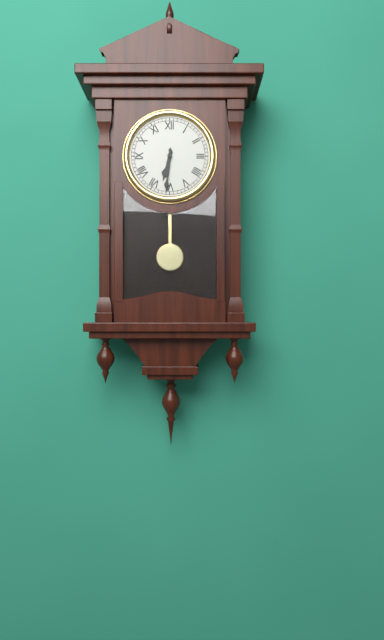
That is h=6 m=31
